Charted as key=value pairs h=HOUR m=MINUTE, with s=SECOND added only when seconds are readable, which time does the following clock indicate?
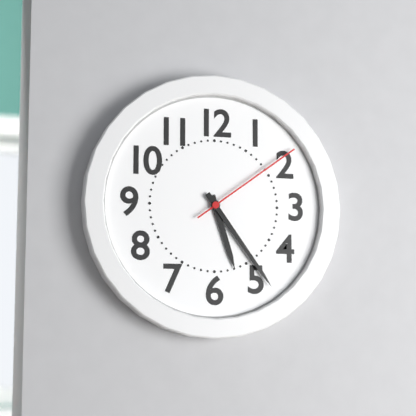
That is h=5 m=24 s=9
